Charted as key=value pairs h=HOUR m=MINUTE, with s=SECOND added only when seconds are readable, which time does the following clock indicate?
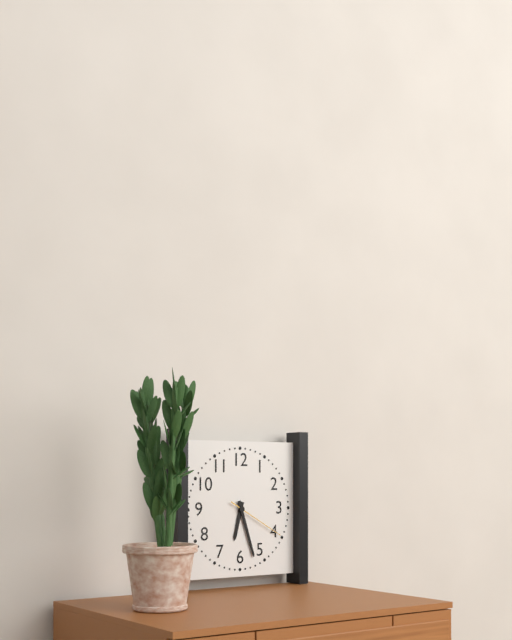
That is h=6 m=27 s=20
